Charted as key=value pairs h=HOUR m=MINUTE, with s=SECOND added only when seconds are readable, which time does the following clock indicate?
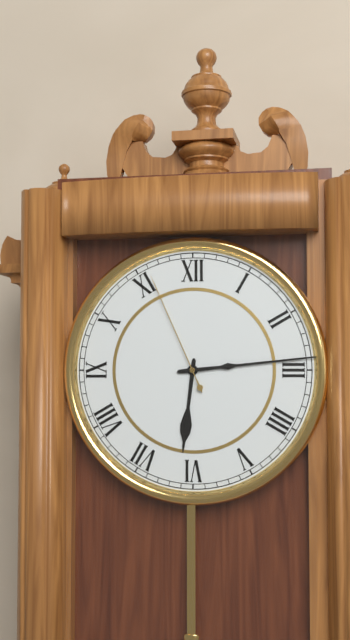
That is h=6 m=14 s=56
